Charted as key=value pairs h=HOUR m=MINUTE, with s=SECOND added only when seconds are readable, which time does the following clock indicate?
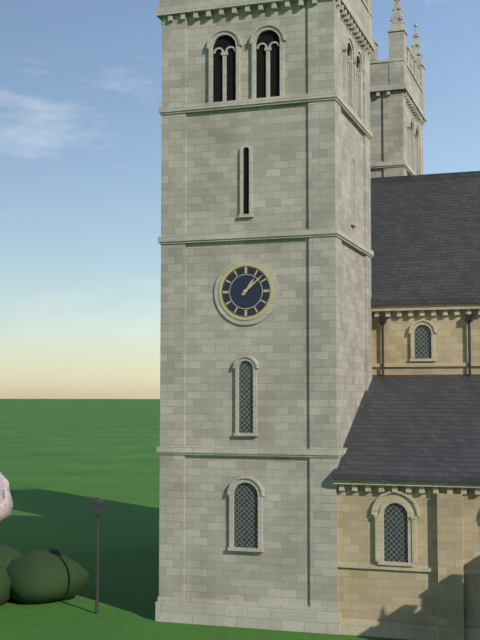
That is h=1 m=8
